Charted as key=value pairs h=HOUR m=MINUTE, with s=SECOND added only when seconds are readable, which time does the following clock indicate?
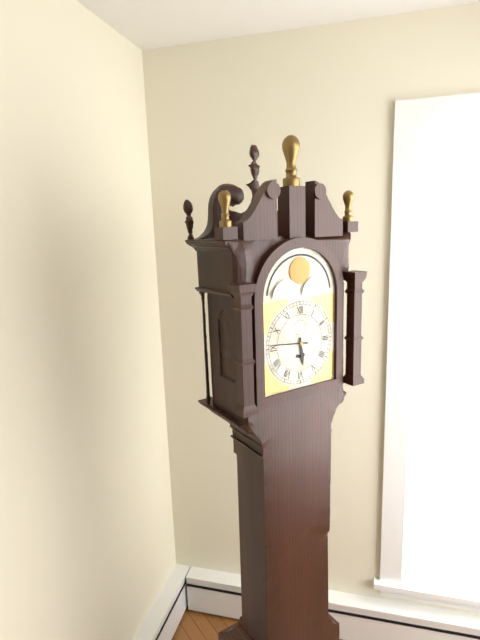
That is h=5 m=46
